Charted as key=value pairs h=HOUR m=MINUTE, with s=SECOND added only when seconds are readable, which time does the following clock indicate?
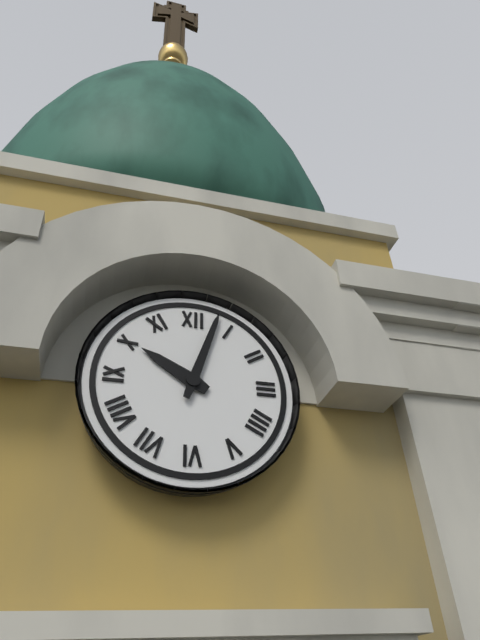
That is h=10 m=3
